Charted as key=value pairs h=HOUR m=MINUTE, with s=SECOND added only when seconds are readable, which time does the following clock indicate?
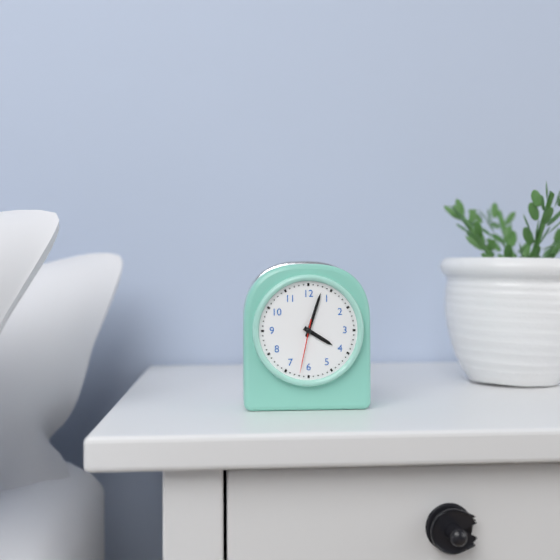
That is h=4 m=3 s=32
